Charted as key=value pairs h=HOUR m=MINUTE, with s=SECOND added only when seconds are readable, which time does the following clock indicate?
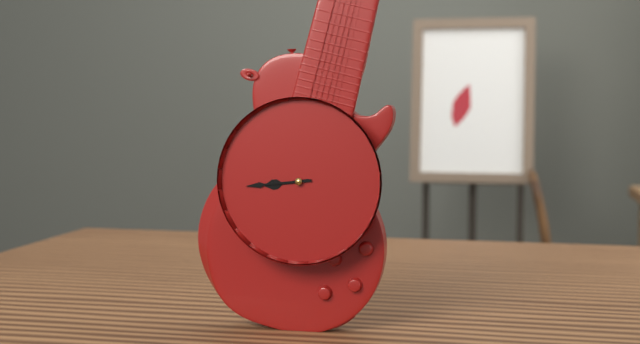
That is h=8 m=44
